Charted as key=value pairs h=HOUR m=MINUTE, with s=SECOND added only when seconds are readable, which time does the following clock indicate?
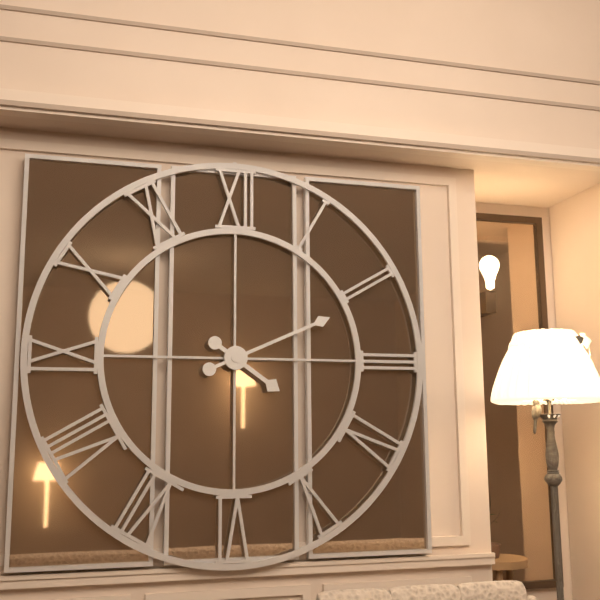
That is h=4 m=11
